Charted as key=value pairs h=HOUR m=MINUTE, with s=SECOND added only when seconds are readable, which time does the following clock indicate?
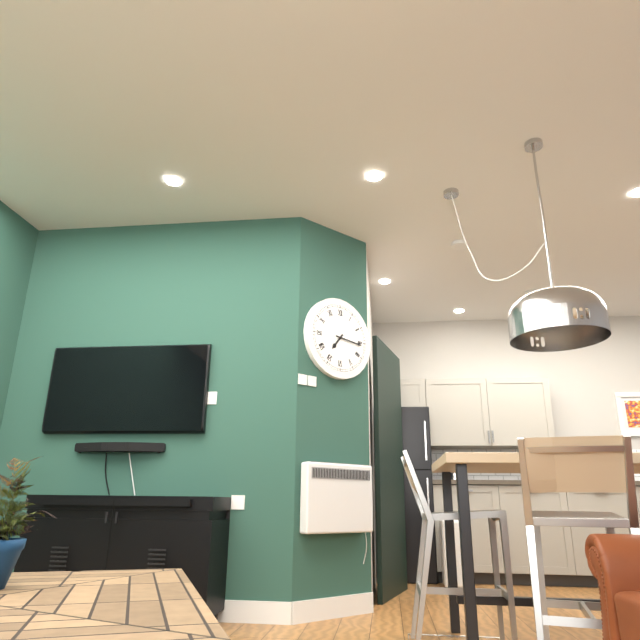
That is h=7 m=16
